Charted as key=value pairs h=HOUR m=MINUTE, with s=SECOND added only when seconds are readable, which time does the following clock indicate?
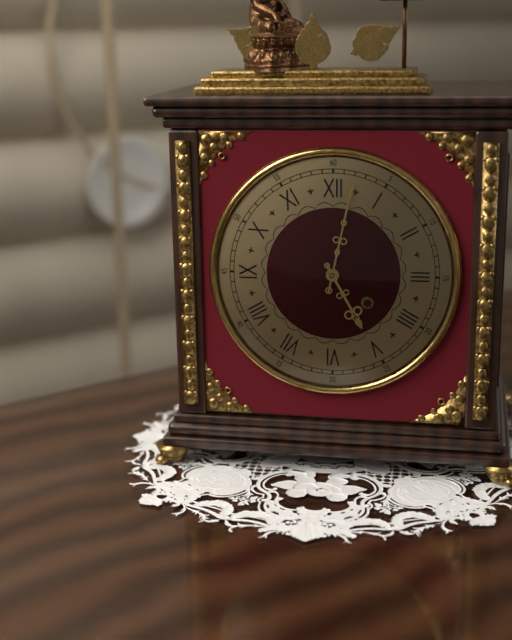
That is h=5 m=2
